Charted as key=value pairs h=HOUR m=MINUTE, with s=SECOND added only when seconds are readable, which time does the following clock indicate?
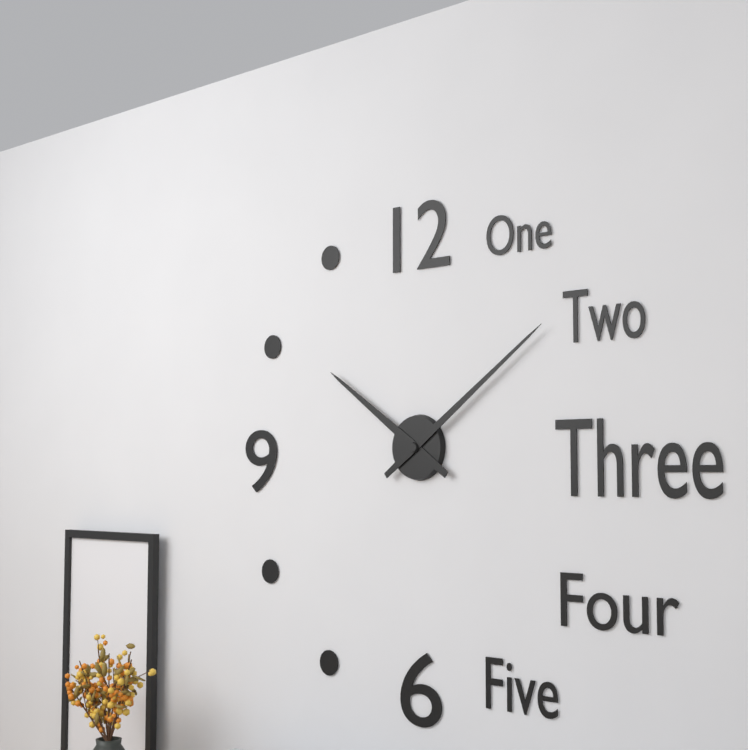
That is h=10 m=9
